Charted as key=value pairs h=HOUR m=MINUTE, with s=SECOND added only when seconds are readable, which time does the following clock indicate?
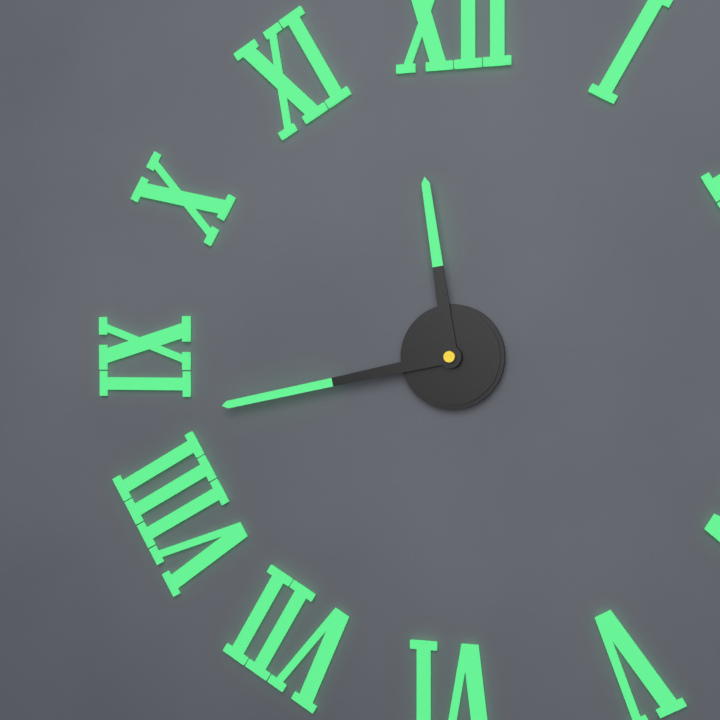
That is h=11 m=43
